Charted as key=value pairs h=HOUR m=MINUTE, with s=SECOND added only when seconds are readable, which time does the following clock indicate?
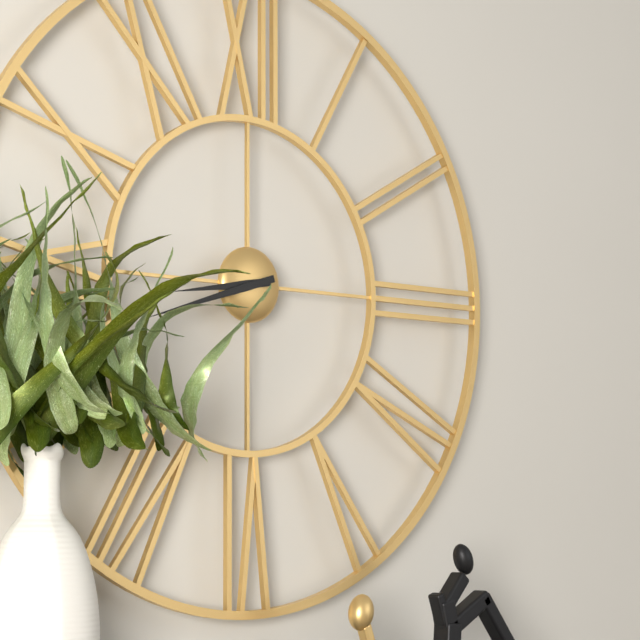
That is h=8 m=42
